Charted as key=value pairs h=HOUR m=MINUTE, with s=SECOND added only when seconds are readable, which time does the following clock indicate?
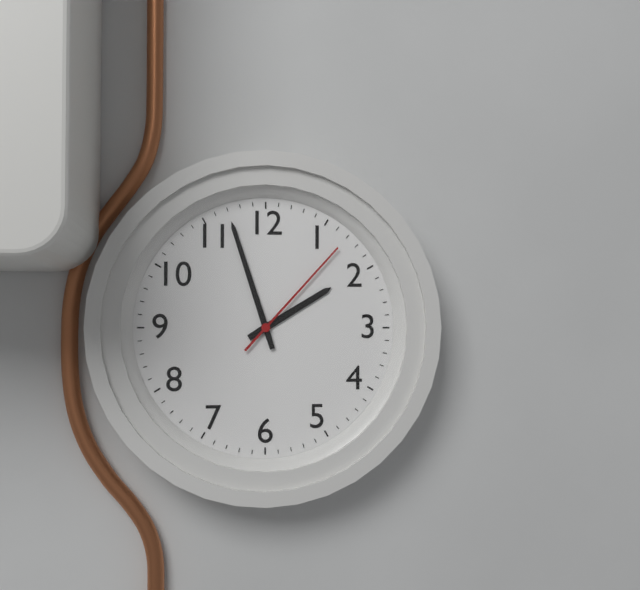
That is h=1 m=57 s=7
